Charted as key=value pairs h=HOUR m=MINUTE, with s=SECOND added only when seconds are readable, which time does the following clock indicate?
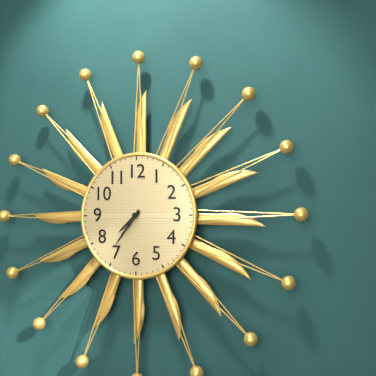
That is h=7 m=36
